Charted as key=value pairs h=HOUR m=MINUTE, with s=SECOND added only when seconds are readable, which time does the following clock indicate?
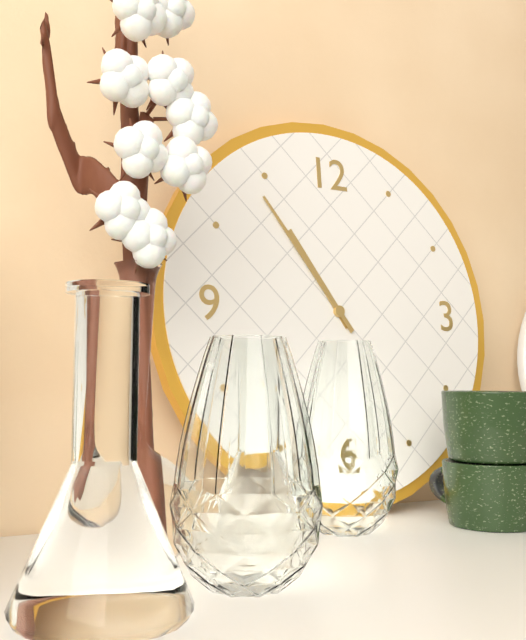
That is h=10 m=54
